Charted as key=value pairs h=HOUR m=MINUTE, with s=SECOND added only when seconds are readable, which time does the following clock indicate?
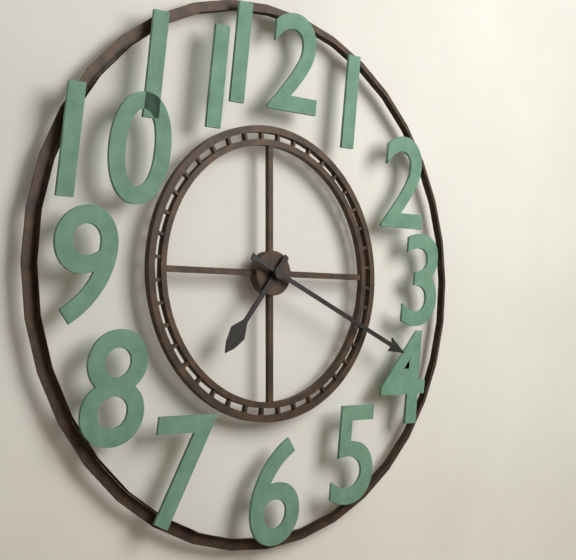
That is h=7 m=19
